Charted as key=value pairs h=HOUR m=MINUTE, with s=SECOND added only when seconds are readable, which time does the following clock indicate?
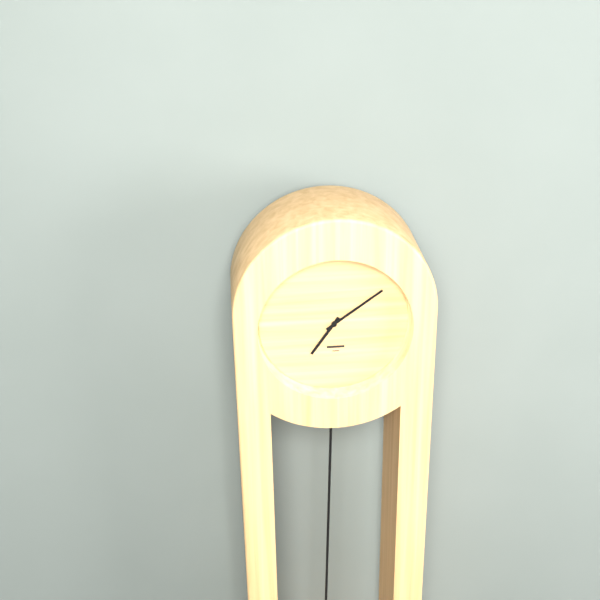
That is h=7 m=9
